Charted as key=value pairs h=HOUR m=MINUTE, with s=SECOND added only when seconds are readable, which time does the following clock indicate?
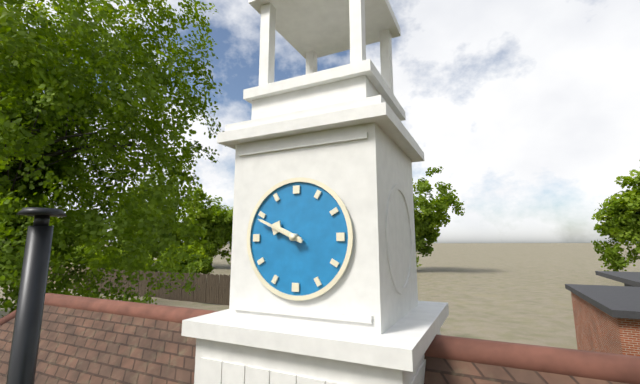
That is h=9 m=49
